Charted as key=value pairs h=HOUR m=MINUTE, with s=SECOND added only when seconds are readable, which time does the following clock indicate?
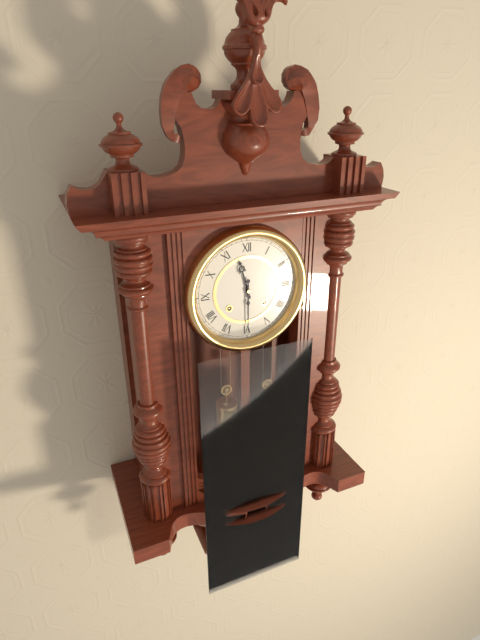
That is h=11 m=30
